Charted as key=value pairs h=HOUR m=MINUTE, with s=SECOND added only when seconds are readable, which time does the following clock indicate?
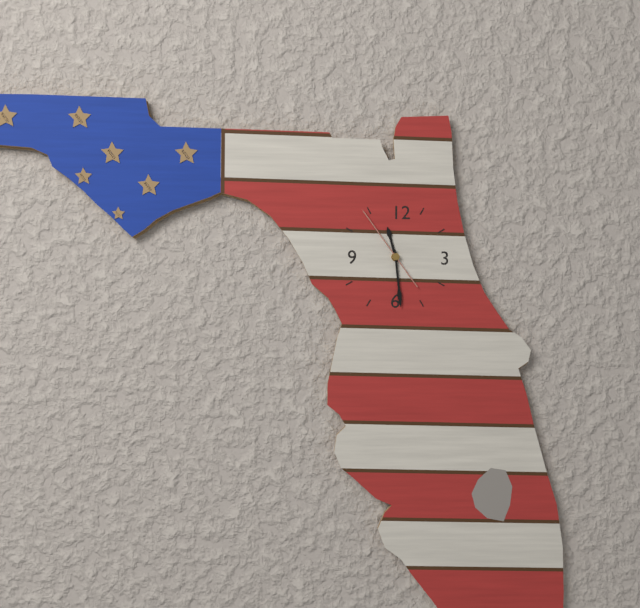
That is h=11 m=29 s=54
